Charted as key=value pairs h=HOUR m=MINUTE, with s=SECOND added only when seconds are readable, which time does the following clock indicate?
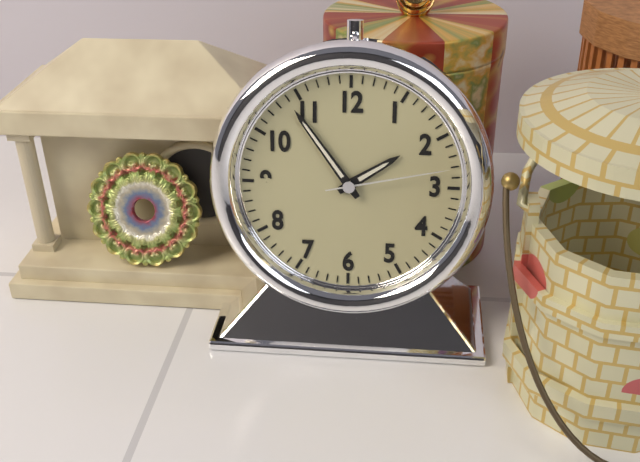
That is h=1 m=54 s=13
